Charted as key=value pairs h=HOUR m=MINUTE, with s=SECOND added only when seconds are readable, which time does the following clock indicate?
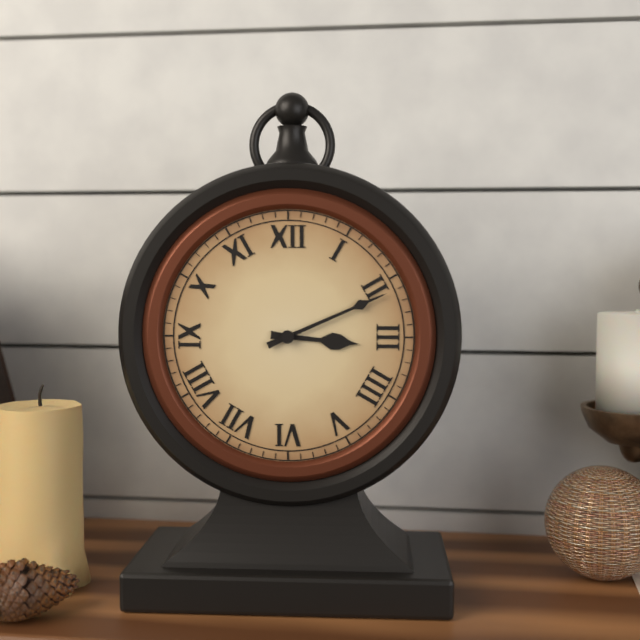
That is h=3 m=11
